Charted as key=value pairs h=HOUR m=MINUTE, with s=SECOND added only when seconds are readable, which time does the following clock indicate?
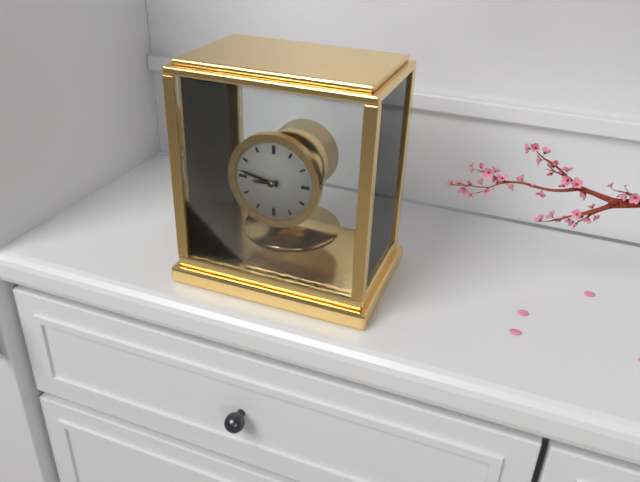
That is h=8 m=47
